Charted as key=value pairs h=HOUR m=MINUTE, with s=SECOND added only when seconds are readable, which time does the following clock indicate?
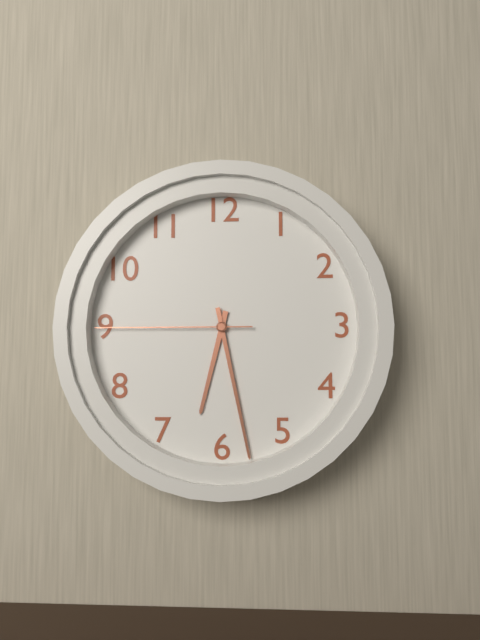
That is h=6 m=28 s=45
